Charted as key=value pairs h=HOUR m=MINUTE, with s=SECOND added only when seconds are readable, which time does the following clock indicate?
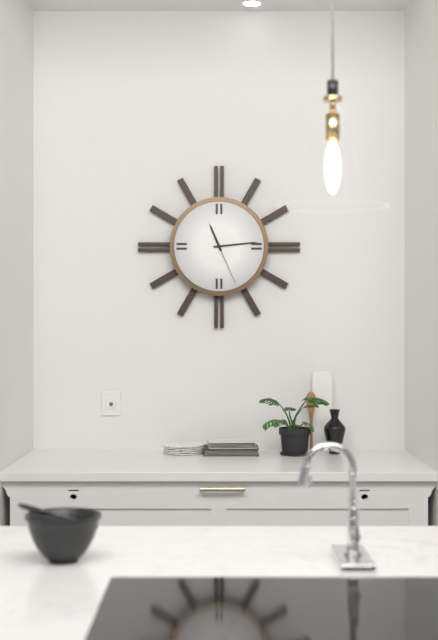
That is h=11 m=14 s=26
